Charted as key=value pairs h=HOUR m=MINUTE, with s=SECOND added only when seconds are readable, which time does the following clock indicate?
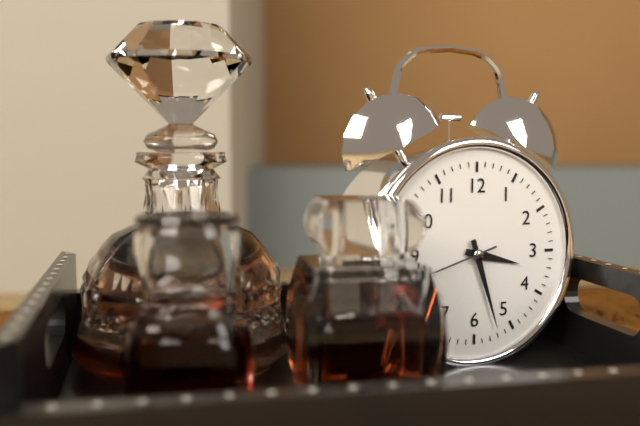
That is h=3 m=27 s=42
